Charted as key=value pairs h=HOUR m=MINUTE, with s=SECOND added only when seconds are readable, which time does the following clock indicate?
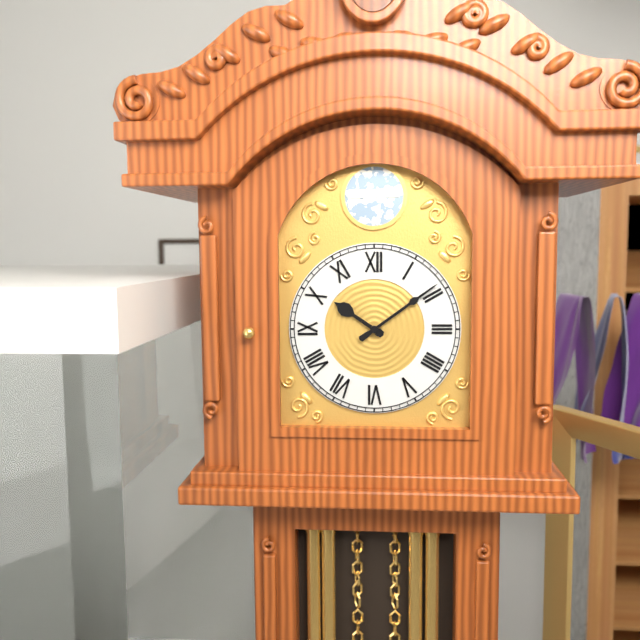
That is h=10 m=9
